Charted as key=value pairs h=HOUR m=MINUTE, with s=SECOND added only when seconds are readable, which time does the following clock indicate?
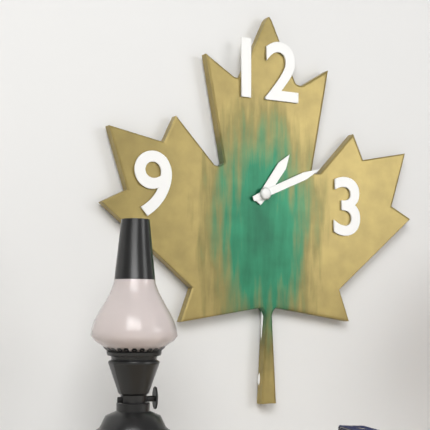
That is h=1 m=11
